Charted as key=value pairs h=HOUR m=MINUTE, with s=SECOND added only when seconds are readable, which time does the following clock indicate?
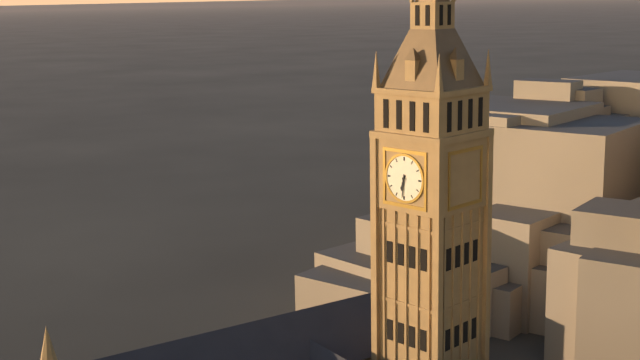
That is h=6 m=31
